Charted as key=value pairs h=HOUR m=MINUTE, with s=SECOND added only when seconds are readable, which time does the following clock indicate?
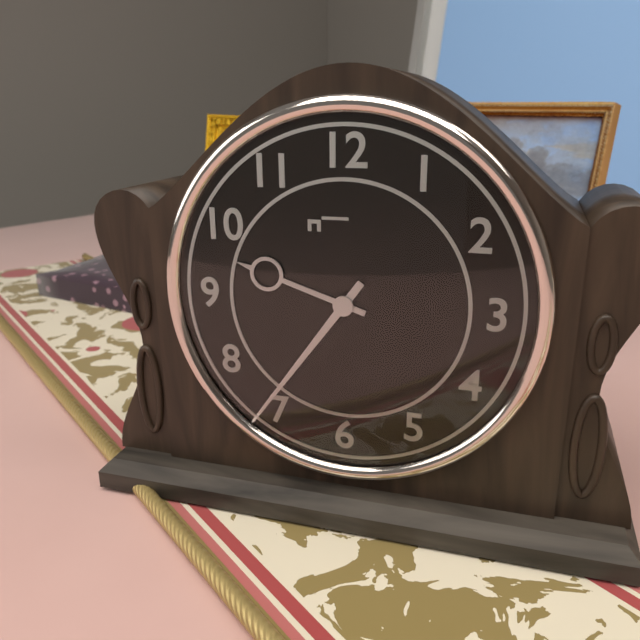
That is h=9 m=36
